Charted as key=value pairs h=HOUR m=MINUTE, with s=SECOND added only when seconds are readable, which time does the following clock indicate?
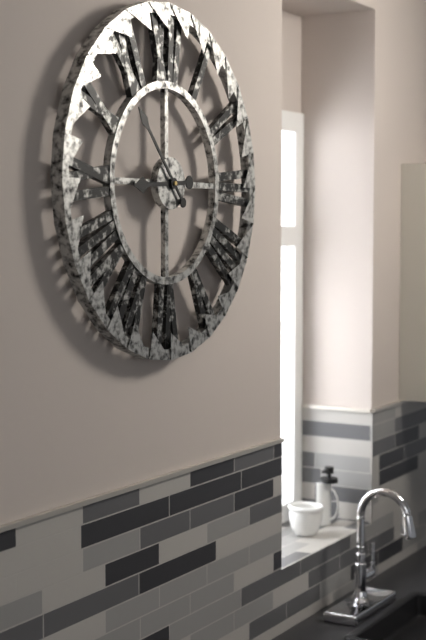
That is h=8 m=53
